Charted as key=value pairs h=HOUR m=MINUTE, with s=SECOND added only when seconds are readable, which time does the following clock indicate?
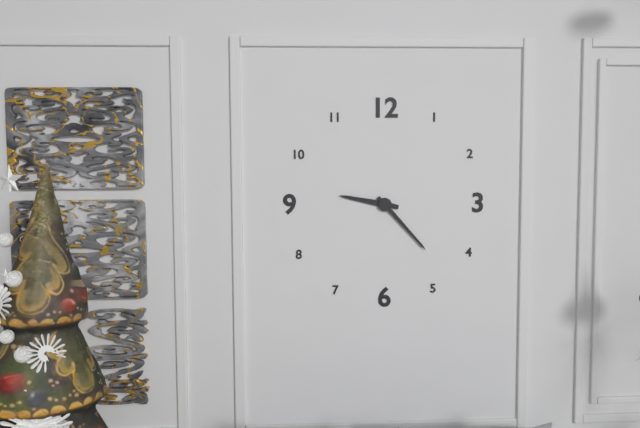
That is h=9 m=23
